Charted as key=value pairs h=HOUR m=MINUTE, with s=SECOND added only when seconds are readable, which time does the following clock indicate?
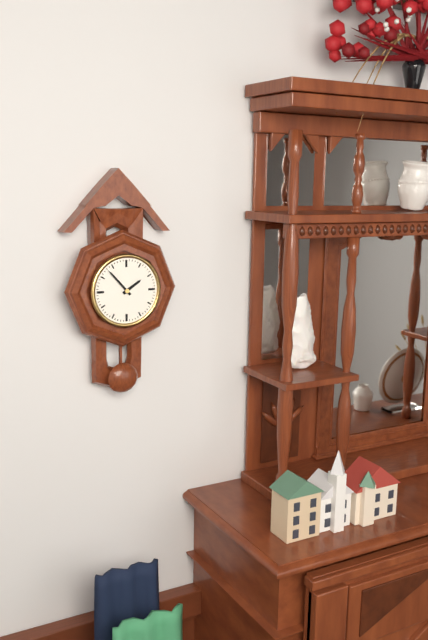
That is h=1 m=53
